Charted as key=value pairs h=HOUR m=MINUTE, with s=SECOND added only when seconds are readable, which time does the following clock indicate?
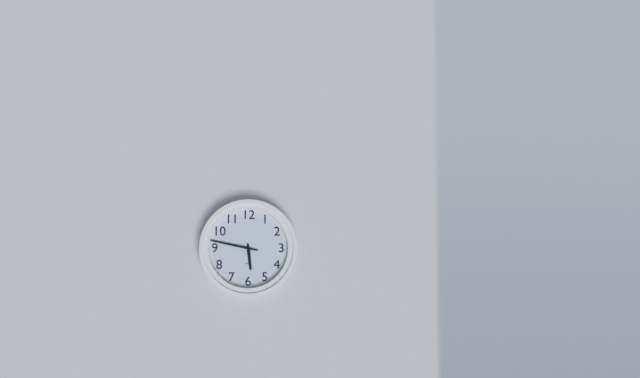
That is h=5 m=47
